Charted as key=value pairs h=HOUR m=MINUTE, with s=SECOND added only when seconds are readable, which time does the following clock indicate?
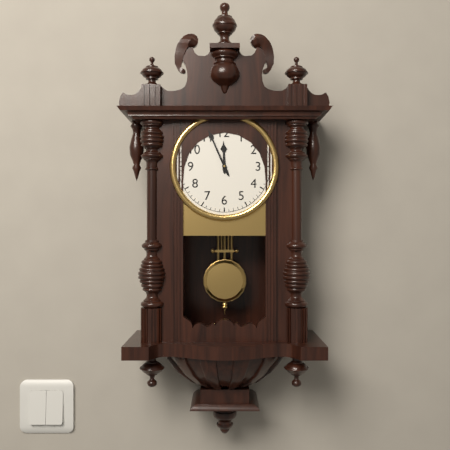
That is h=11 m=56
